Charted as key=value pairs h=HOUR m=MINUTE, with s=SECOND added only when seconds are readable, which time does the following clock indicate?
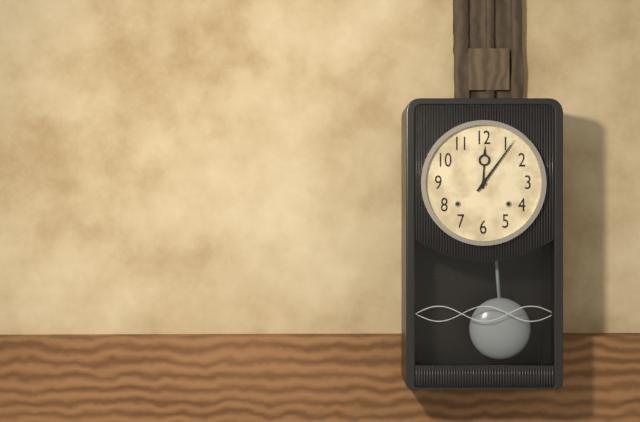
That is h=12 m=6
